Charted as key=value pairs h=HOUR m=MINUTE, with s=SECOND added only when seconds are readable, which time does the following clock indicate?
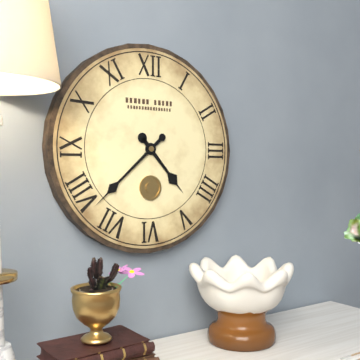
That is h=4 m=38
